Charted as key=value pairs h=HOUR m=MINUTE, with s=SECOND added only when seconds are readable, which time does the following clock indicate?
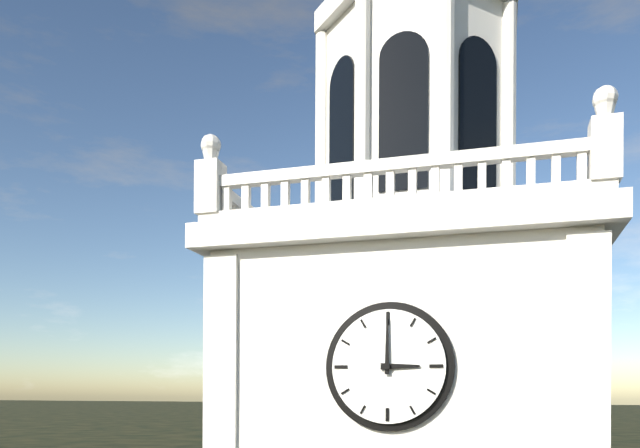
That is h=3 m=0
